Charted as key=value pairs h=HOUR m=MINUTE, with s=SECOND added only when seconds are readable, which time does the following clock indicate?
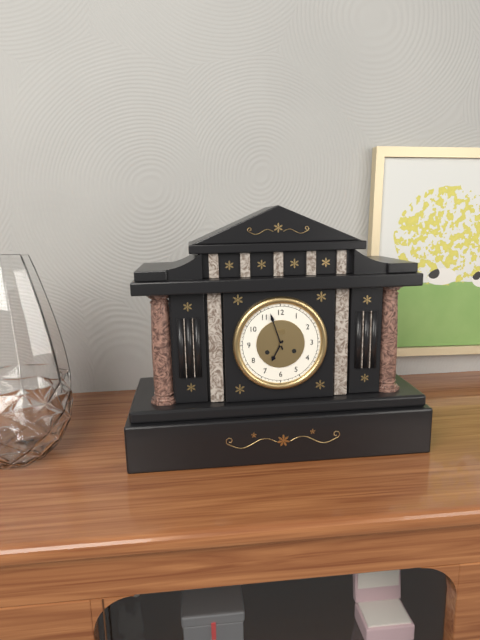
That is h=6 m=57
